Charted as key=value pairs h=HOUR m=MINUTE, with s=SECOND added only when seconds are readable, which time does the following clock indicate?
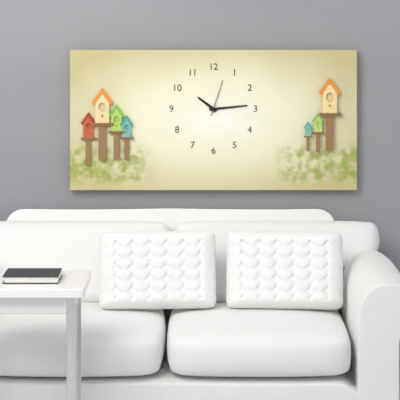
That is h=10 m=14
